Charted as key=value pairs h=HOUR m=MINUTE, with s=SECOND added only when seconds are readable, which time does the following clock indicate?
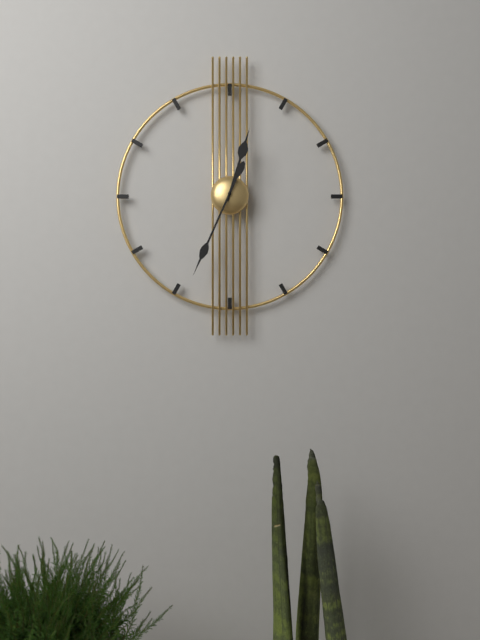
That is h=12 m=34
